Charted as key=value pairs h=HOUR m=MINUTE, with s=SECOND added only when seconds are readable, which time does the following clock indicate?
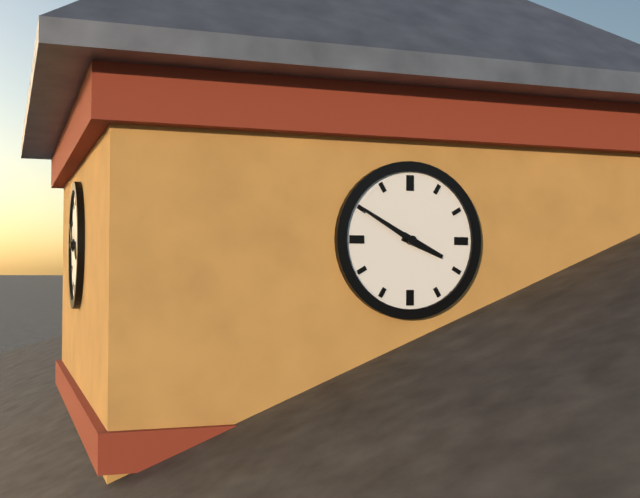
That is h=3 m=50
